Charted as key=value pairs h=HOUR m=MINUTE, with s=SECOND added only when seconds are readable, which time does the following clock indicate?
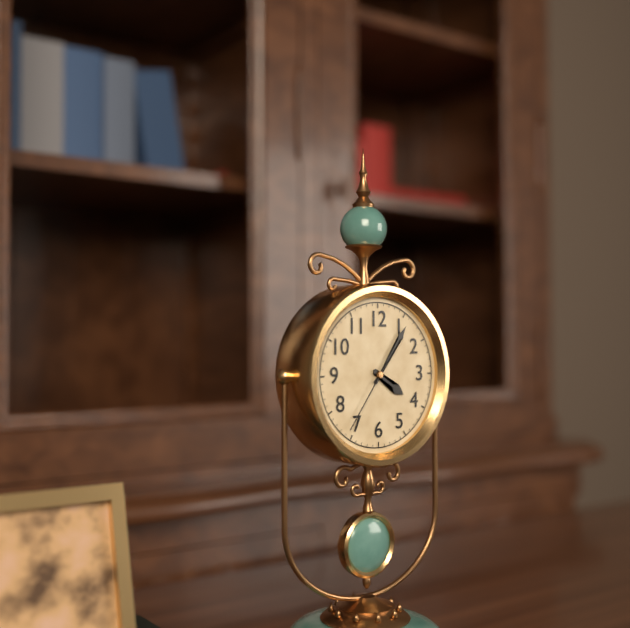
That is h=4 m=6 s=36
